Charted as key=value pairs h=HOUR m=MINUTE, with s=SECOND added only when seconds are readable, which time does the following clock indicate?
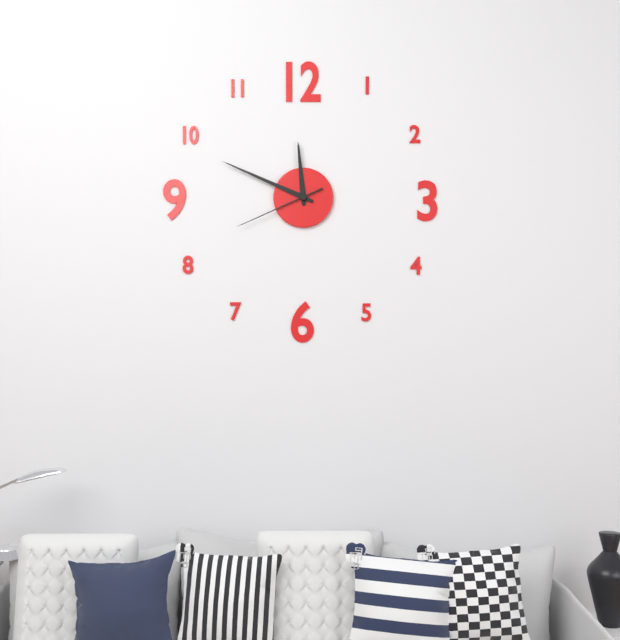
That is h=11 m=49 s=41
